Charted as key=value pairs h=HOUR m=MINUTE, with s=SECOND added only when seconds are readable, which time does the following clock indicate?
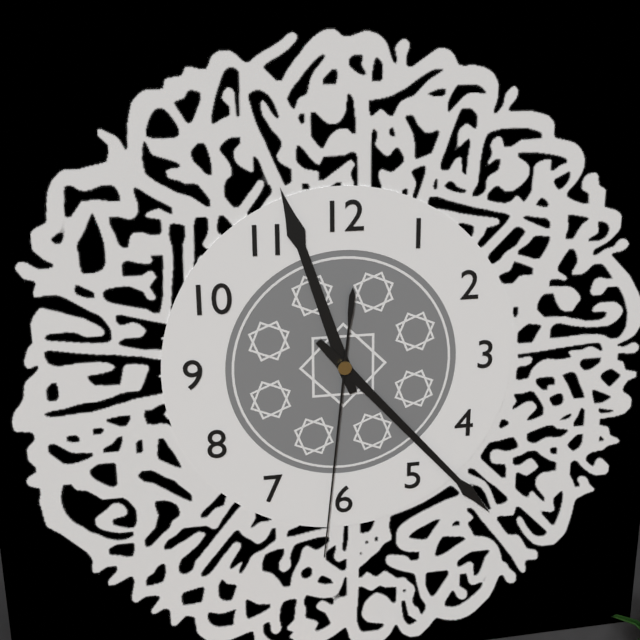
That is h=11 m=23 s=31
